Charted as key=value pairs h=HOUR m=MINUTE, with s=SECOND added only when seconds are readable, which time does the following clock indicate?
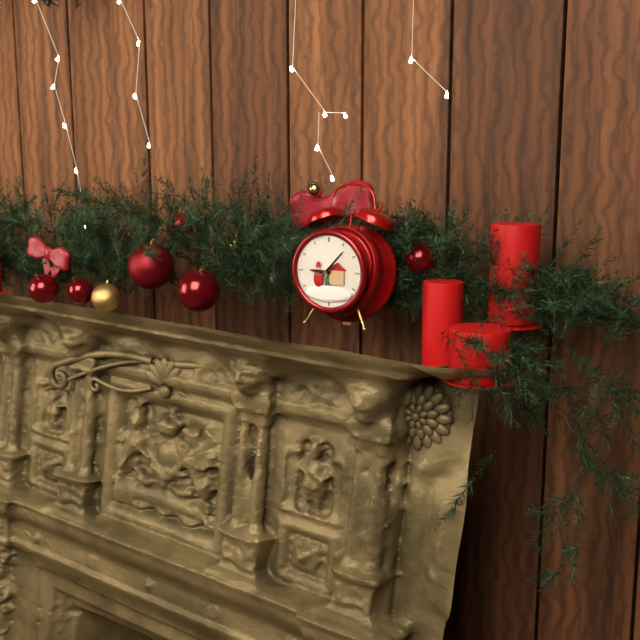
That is h=9 m=7
